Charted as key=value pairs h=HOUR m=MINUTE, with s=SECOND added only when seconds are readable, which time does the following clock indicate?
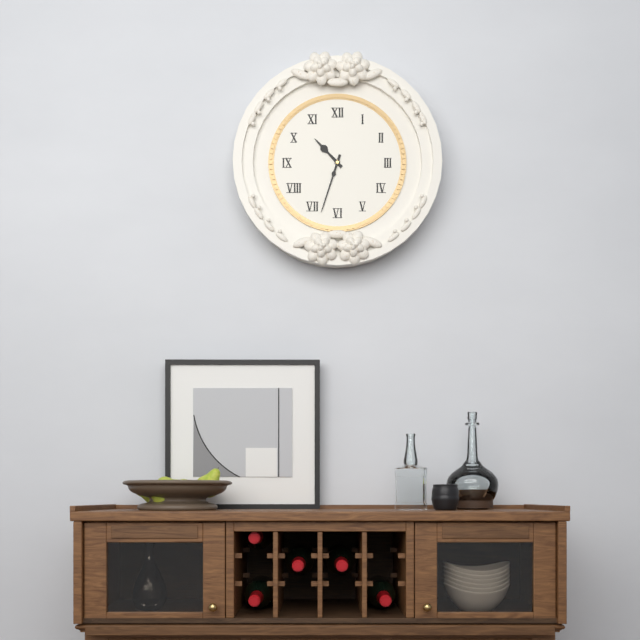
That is h=10 m=33
